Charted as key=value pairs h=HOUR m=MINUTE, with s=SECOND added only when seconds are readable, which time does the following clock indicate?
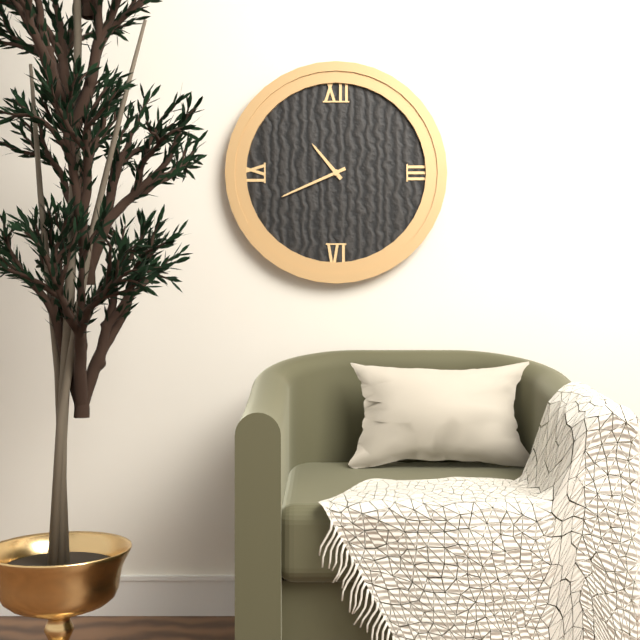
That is h=10 m=41
